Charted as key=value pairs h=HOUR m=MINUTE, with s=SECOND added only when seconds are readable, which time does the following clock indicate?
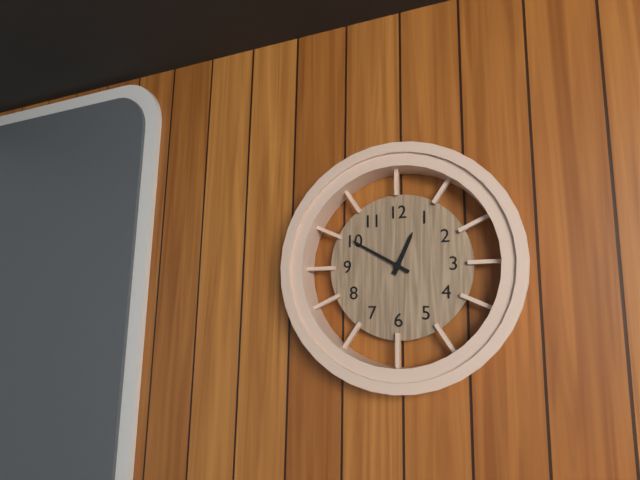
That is h=12 m=50
